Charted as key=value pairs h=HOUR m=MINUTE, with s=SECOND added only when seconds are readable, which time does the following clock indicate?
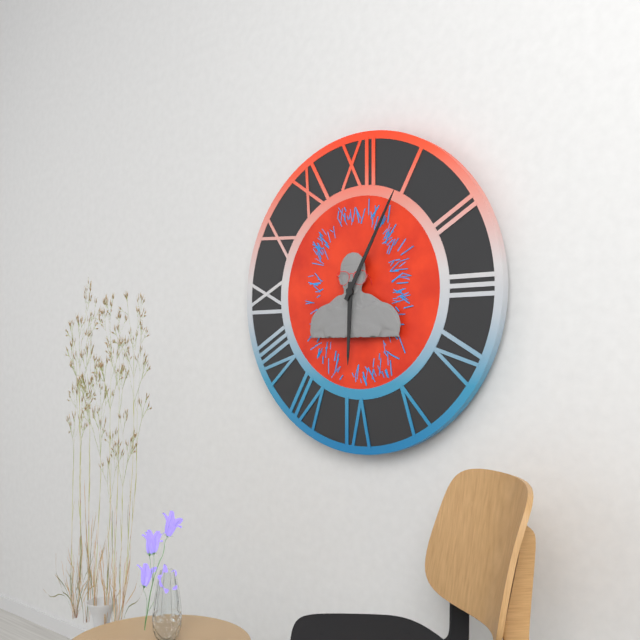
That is h=6 m=5
